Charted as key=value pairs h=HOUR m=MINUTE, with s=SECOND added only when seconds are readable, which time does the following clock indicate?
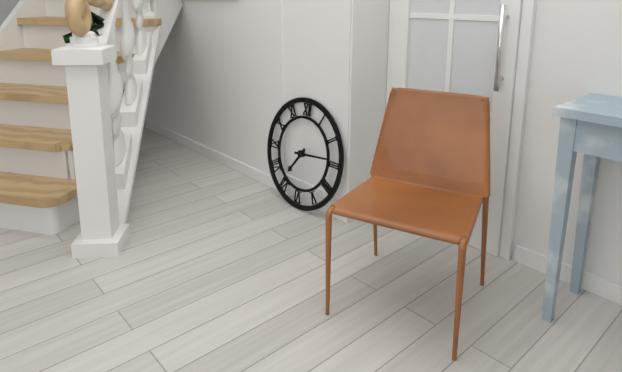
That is h=7 m=14
